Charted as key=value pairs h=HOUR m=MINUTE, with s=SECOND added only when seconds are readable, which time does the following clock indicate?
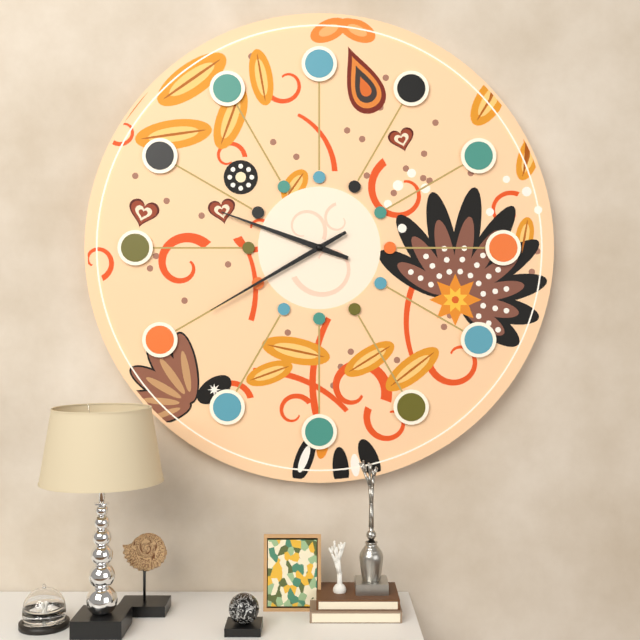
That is h=9 m=40
